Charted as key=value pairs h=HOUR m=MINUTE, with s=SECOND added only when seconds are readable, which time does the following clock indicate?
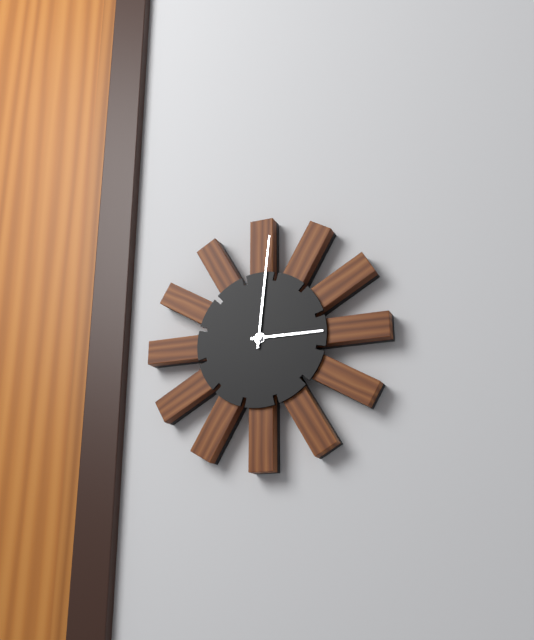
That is h=3 m=1
